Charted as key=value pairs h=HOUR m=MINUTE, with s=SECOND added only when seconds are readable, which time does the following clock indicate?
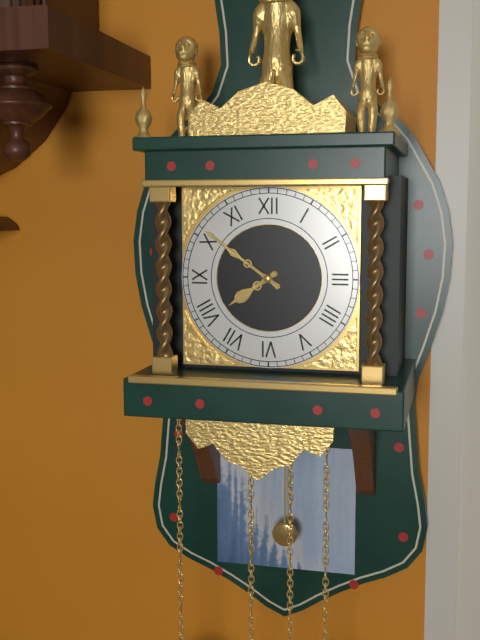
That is h=7 m=51
